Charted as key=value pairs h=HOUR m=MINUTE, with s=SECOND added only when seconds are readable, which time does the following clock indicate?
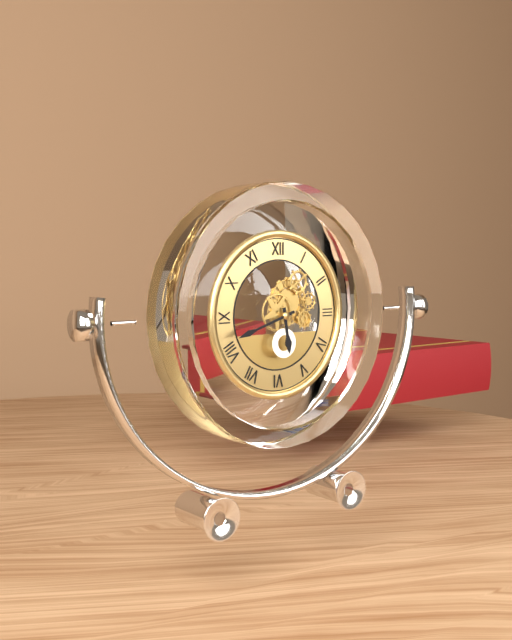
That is h=5 m=42
